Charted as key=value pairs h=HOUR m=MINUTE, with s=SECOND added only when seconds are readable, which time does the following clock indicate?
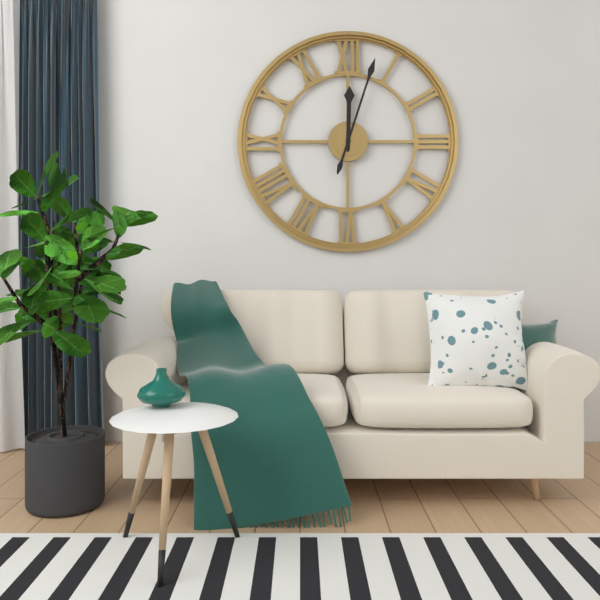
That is h=12 m=3
